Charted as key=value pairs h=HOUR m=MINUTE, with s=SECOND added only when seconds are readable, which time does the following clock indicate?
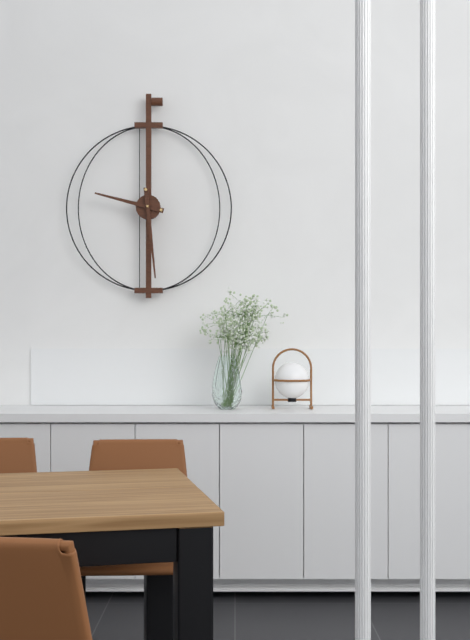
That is h=9 m=29
